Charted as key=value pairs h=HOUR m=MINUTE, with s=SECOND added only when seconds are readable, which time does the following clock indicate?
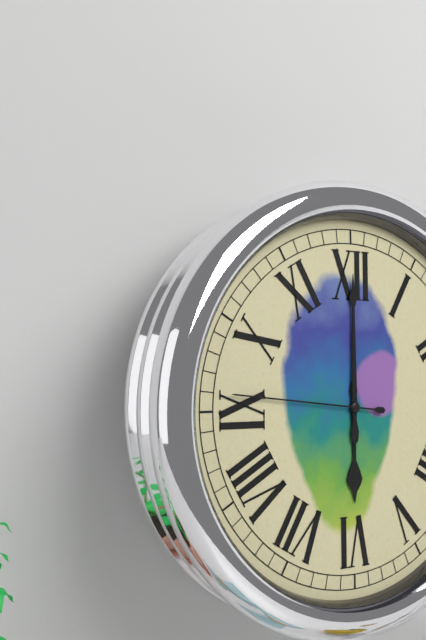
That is h=6 m=0 s=46
